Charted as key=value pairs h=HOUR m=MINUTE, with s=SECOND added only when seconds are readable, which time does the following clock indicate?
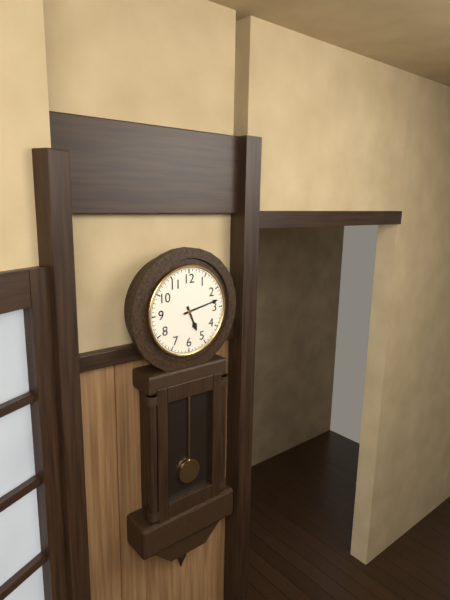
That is h=5 m=13
